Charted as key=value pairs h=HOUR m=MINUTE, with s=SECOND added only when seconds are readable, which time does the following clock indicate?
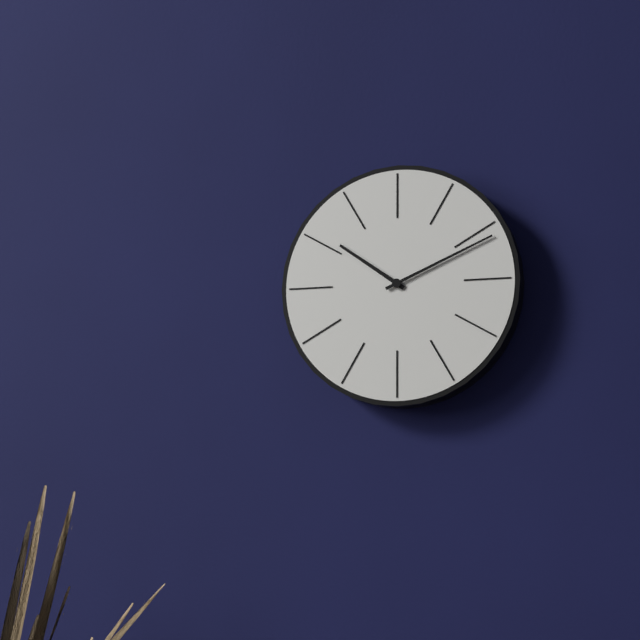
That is h=10 m=11
